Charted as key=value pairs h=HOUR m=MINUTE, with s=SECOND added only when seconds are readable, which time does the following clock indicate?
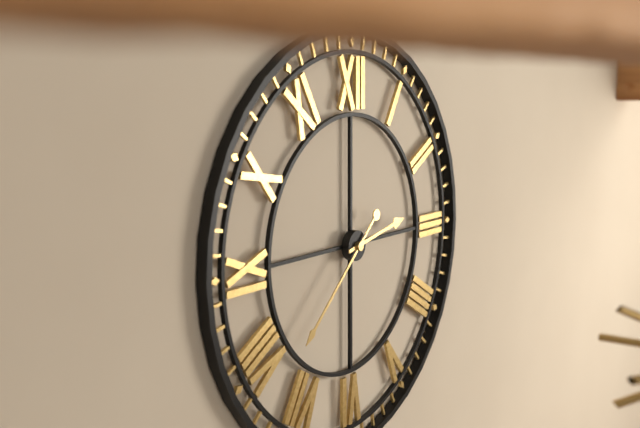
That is h=2 m=38
